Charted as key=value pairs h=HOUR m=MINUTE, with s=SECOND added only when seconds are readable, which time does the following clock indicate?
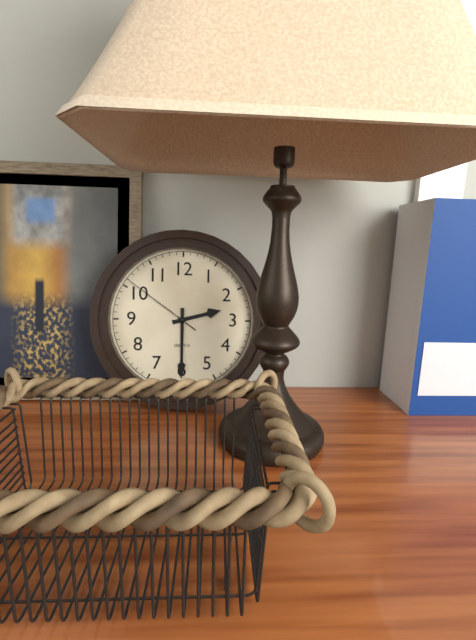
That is h=2 m=30 s=51
